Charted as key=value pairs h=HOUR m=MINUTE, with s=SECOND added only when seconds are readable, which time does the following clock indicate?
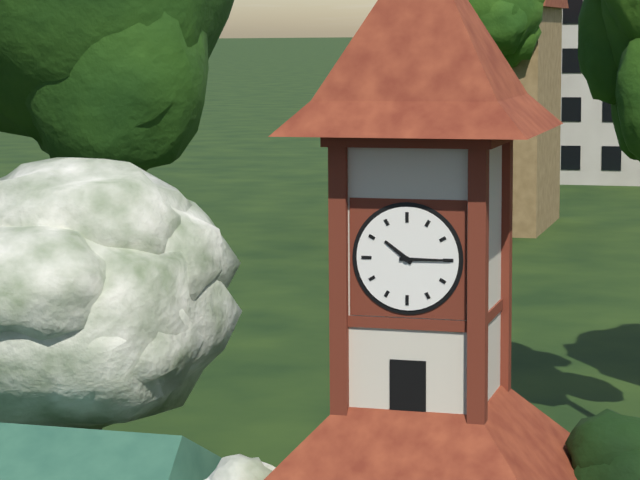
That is h=10 m=15
